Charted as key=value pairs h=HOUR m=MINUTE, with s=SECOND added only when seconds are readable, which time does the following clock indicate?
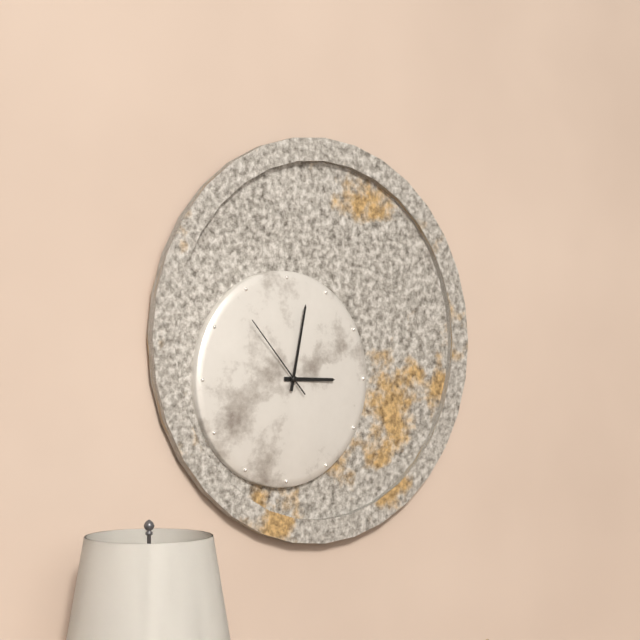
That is h=3 m=2 s=53
